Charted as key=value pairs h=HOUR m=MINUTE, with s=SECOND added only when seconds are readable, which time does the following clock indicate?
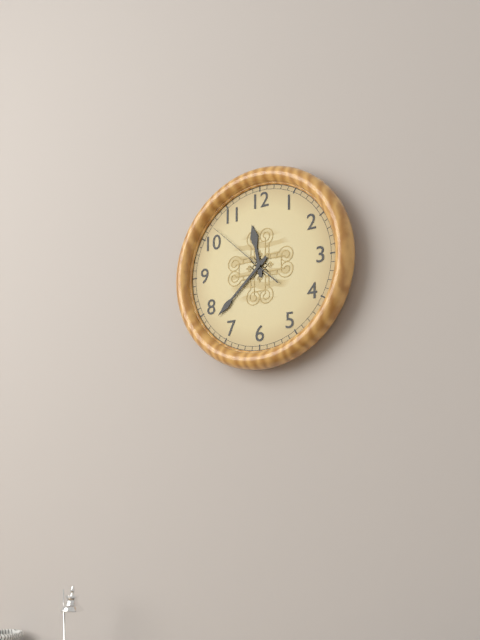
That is h=11 m=38 s=52
